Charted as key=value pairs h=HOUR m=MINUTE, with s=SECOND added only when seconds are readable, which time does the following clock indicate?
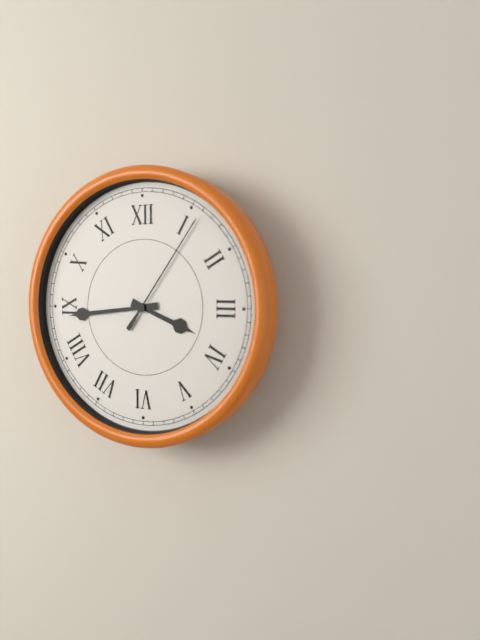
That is h=3 m=44 s=6
